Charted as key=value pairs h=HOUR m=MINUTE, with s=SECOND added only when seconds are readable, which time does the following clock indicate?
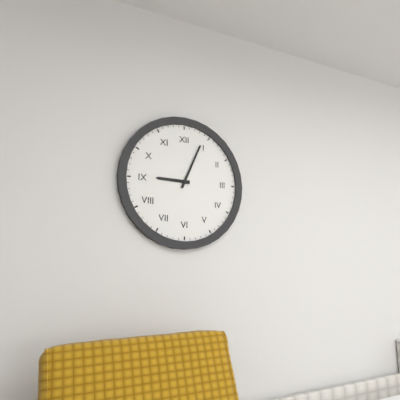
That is h=9 m=4
